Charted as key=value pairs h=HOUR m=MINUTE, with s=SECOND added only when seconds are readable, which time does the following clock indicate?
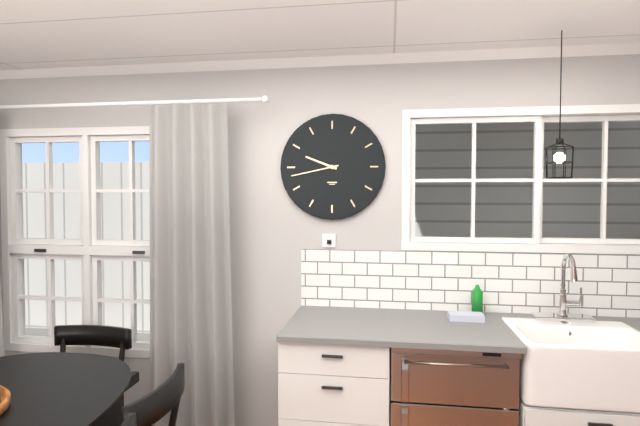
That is h=9 m=43
